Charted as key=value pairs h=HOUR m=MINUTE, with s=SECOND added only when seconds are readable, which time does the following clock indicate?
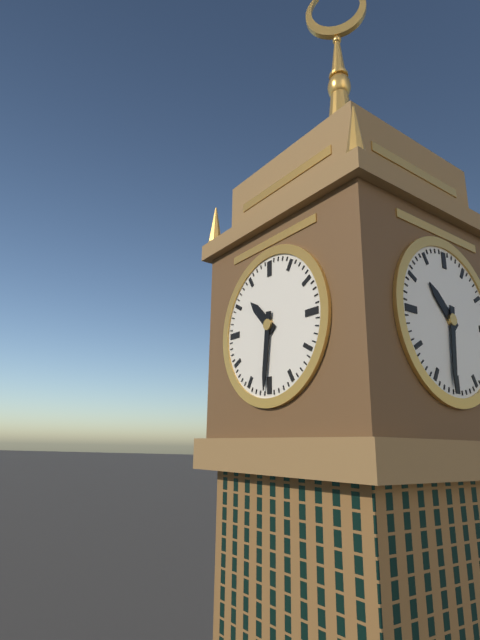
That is h=10 m=31
